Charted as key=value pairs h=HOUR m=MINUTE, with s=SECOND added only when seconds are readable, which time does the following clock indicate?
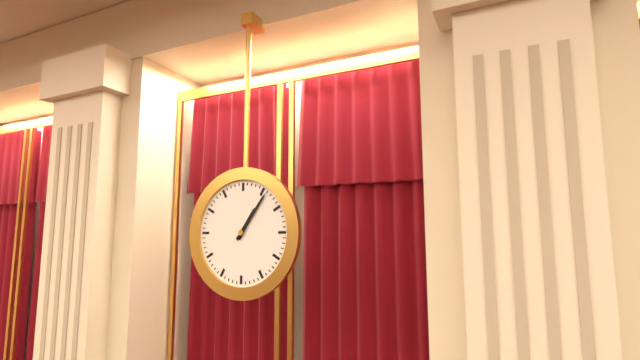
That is h=1 m=6
